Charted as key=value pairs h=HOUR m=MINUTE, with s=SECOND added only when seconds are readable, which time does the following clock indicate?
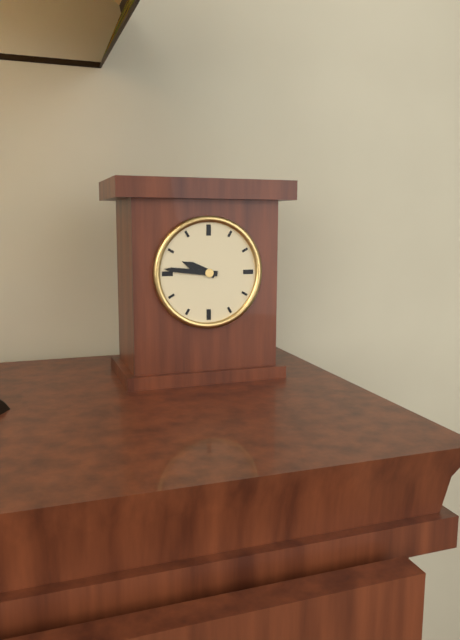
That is h=9 m=46
